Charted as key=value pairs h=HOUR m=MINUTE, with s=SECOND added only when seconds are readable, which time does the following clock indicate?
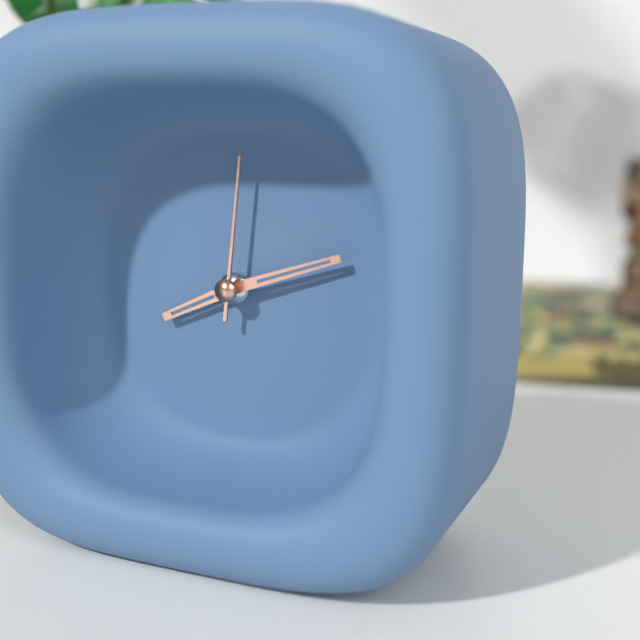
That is h=8 m=12 s=1
